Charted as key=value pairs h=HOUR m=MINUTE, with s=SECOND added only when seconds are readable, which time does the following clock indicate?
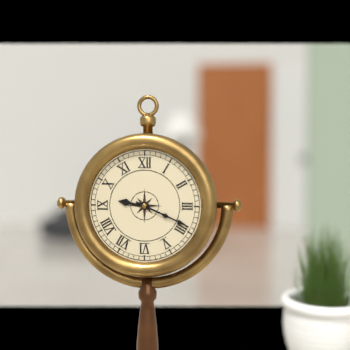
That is h=9 m=19
